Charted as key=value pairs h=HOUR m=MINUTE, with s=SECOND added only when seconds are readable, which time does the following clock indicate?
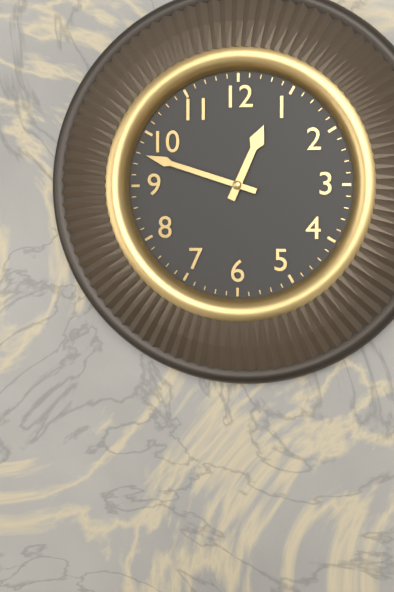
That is h=12 m=48
